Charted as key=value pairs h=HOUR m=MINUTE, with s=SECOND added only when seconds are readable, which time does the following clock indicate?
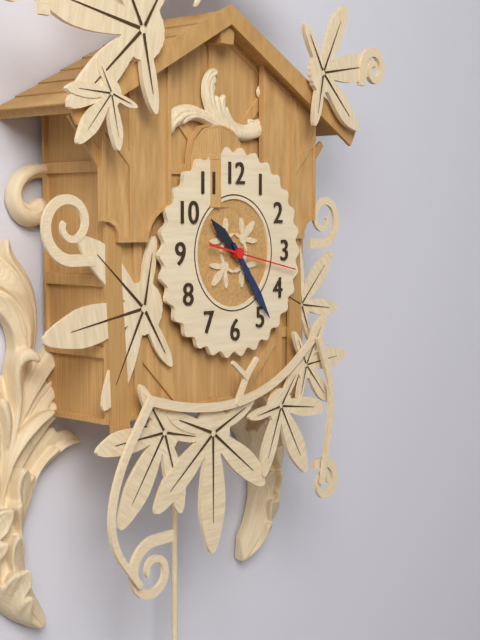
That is h=10 m=24 s=17
